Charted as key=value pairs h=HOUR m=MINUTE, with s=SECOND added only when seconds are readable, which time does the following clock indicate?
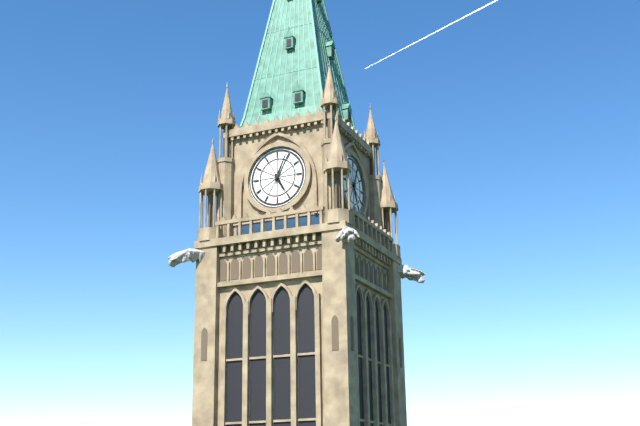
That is h=5 m=4
